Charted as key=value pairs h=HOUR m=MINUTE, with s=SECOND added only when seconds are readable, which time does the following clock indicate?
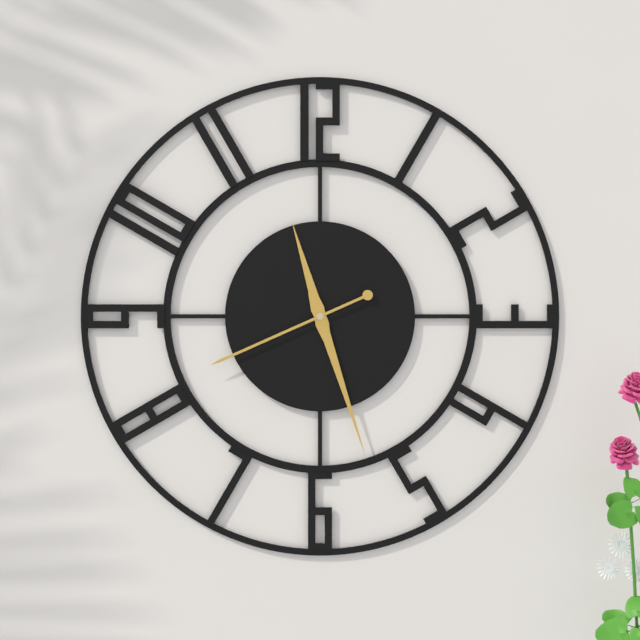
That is h=11 m=27 s=41
